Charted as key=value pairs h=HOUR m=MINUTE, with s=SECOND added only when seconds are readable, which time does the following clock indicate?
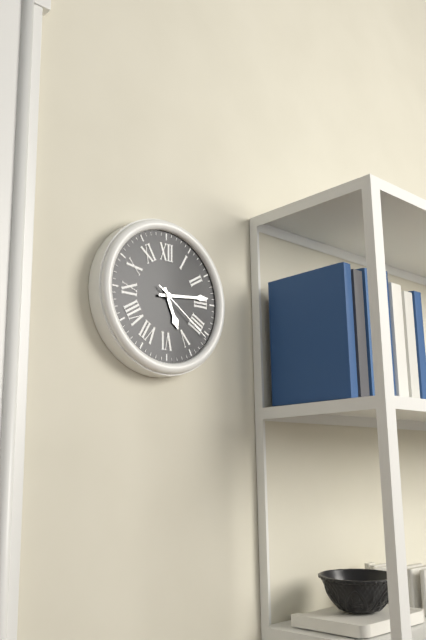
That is h=5 m=14 s=21
